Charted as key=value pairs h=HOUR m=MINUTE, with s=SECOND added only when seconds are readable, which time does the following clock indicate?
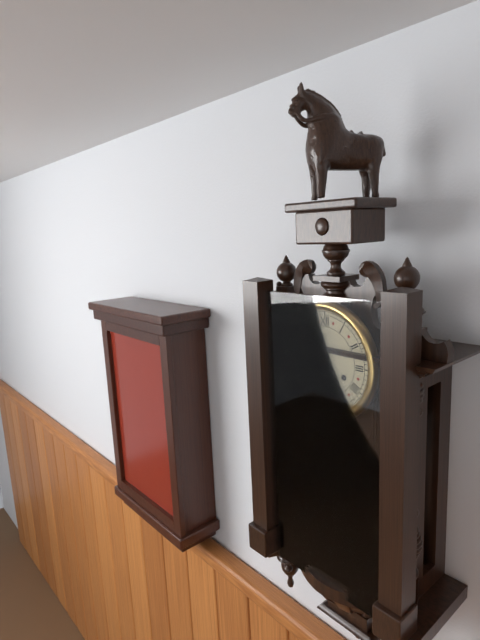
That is h=11 m=30
